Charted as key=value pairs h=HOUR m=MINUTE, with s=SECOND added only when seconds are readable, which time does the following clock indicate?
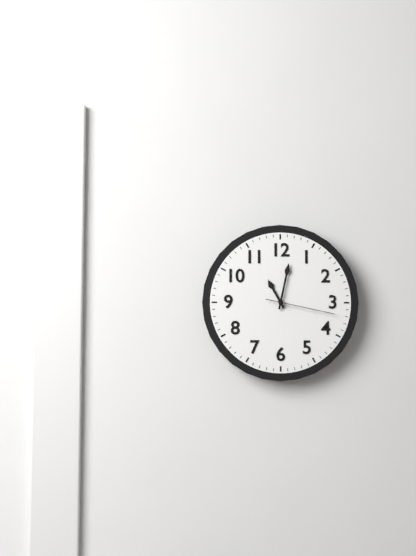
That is h=11 m=2 s=17
